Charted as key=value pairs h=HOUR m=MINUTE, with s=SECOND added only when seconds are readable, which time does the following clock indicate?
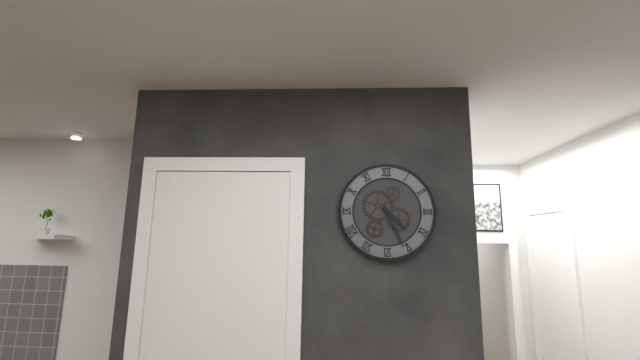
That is h=4 m=26
